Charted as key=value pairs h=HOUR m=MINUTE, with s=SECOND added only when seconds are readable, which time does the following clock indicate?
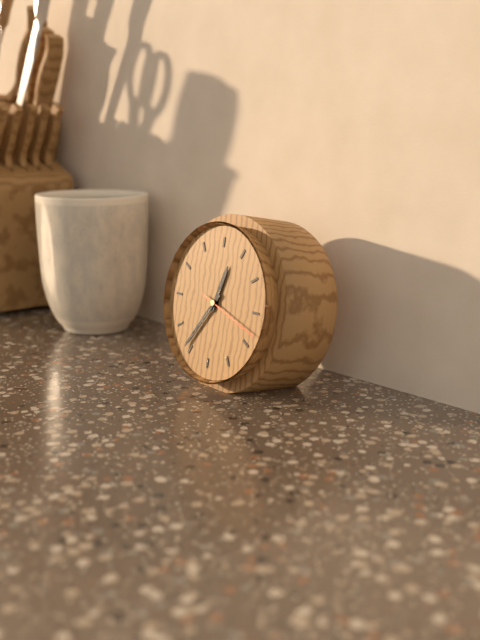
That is h=12 m=36 s=18
